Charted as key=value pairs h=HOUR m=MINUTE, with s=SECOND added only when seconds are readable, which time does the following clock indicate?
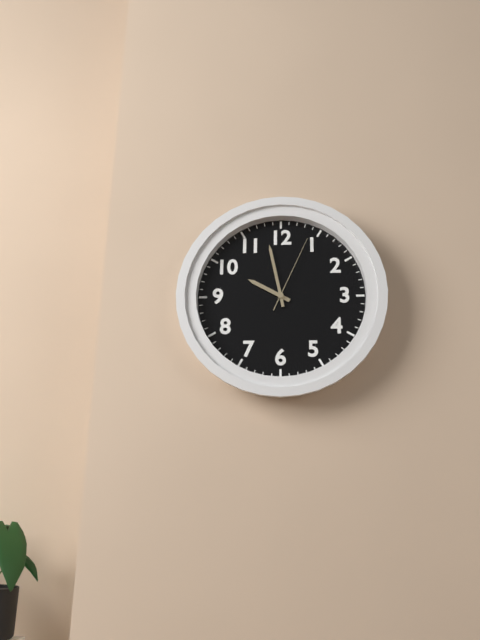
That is h=9 m=58 s=4
